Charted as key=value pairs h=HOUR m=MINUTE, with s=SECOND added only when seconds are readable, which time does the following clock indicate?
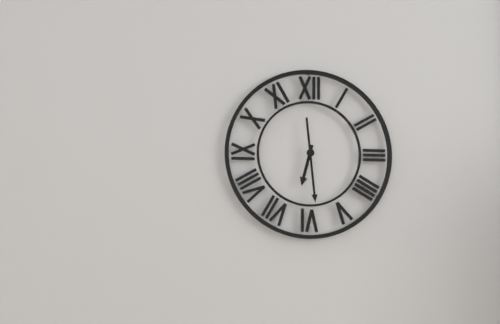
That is h=6 m=29
